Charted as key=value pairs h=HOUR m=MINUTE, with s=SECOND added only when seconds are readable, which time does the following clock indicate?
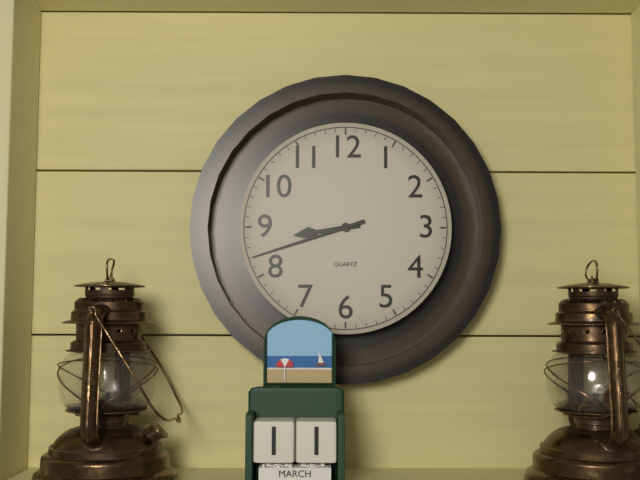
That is h=8 m=42
